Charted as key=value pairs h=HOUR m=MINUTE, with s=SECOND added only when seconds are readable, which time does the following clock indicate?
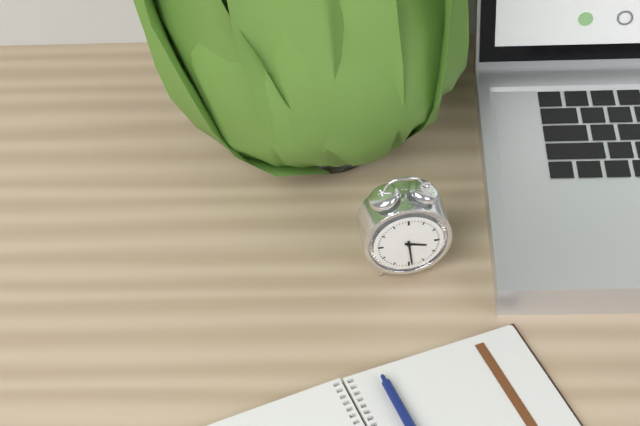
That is h=3 m=29
